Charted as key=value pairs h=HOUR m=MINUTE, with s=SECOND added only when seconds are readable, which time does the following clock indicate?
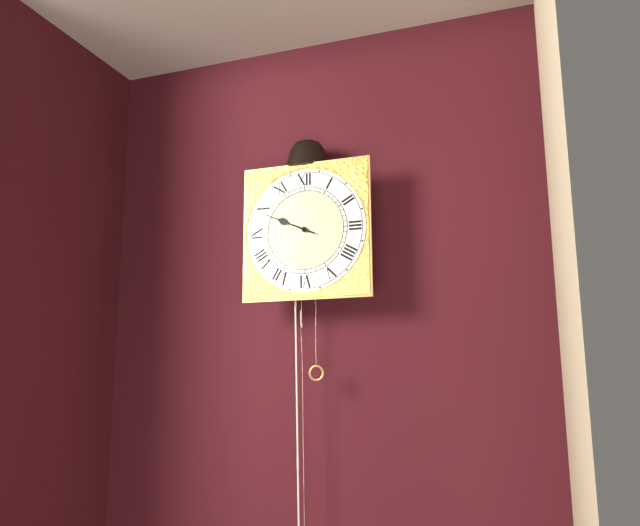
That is h=9 m=49
